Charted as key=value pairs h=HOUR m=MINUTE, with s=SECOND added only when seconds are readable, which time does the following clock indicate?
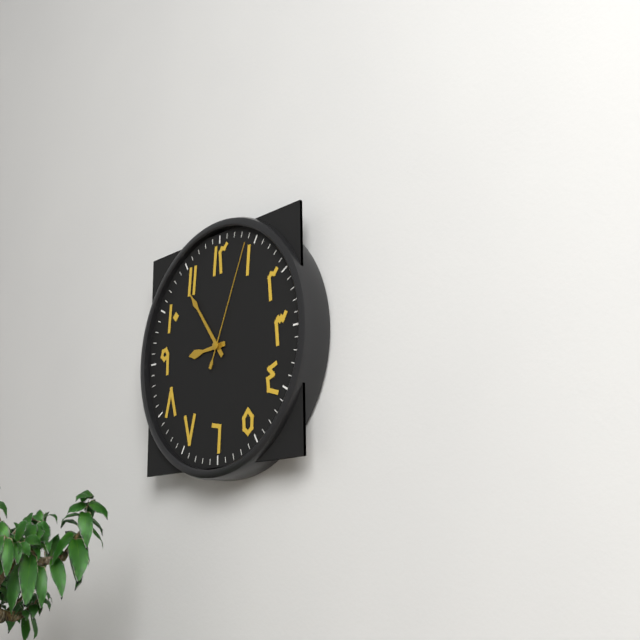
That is h=8 m=54 s=4
